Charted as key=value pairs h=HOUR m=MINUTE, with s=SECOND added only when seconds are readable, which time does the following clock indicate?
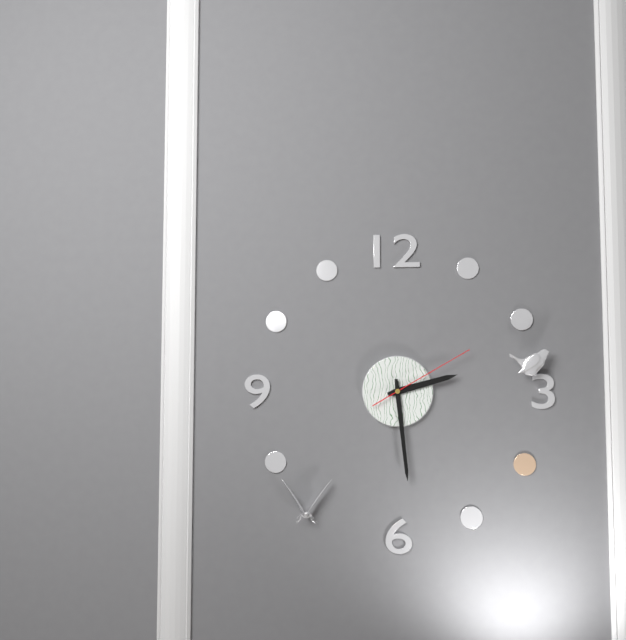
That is h=2 m=29 s=10
